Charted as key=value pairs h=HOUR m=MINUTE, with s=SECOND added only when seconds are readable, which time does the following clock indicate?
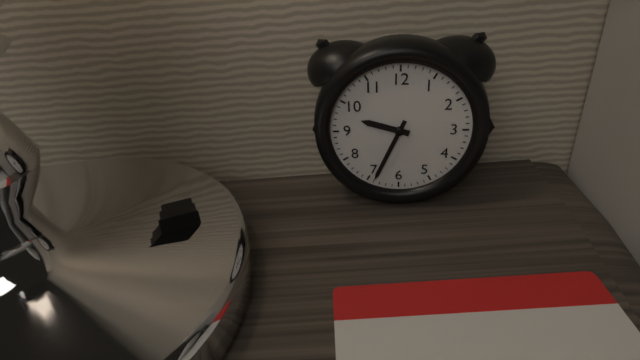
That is h=9 m=34
